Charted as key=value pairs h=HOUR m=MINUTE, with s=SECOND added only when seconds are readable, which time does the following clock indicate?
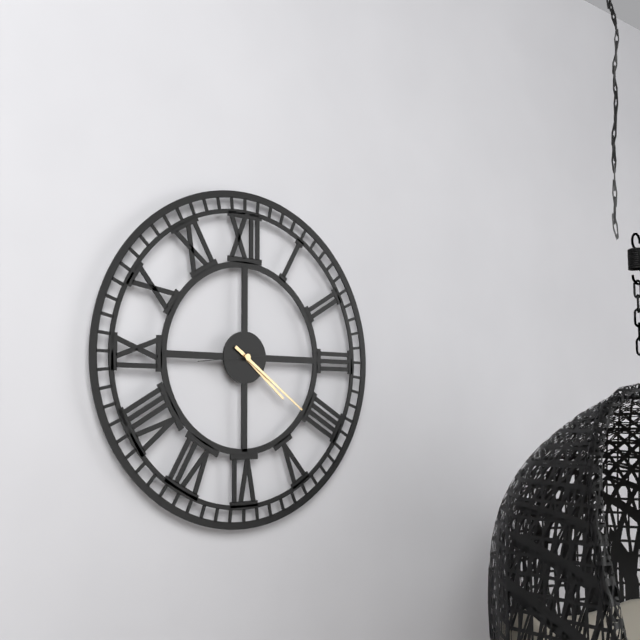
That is h=4 m=21 s=44
